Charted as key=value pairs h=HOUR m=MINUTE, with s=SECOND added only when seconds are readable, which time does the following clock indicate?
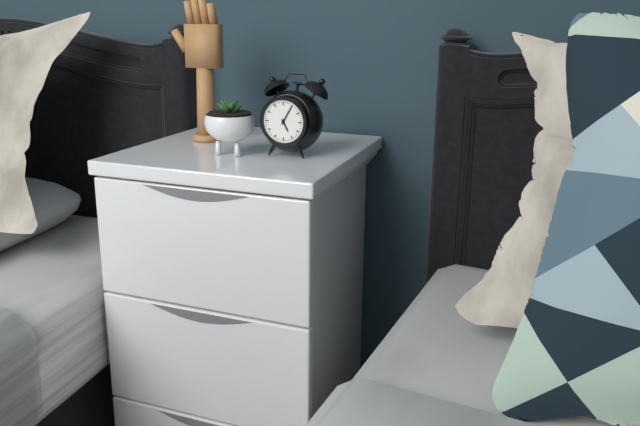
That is h=5 m=5
